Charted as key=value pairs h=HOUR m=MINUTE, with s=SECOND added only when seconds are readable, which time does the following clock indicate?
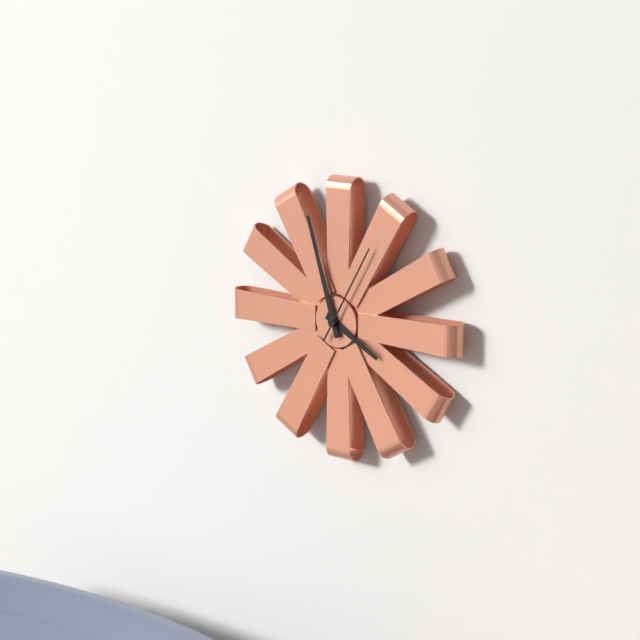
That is h=3 m=57 s=5
